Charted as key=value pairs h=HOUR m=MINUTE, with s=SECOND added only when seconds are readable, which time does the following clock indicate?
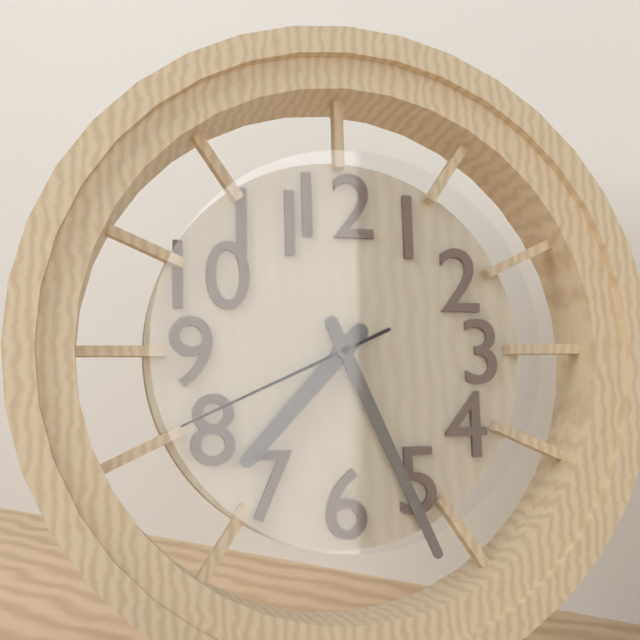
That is h=7 m=26 s=41
